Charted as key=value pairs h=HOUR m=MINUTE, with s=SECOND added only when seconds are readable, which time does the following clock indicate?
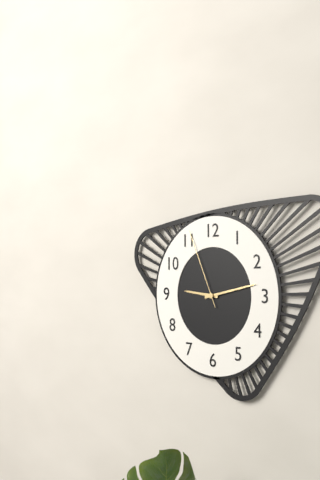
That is h=9 m=13 s=56
